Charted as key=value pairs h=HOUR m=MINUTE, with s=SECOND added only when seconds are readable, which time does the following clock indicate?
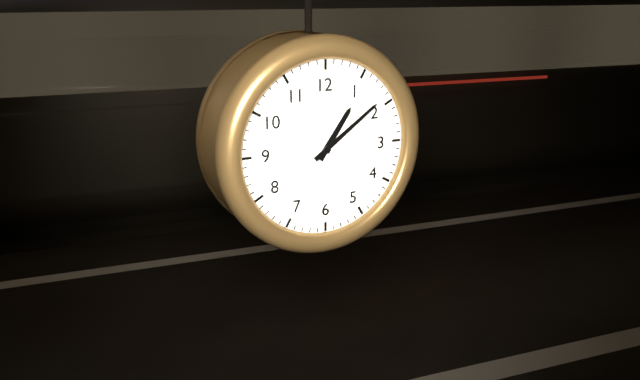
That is h=1 m=9
